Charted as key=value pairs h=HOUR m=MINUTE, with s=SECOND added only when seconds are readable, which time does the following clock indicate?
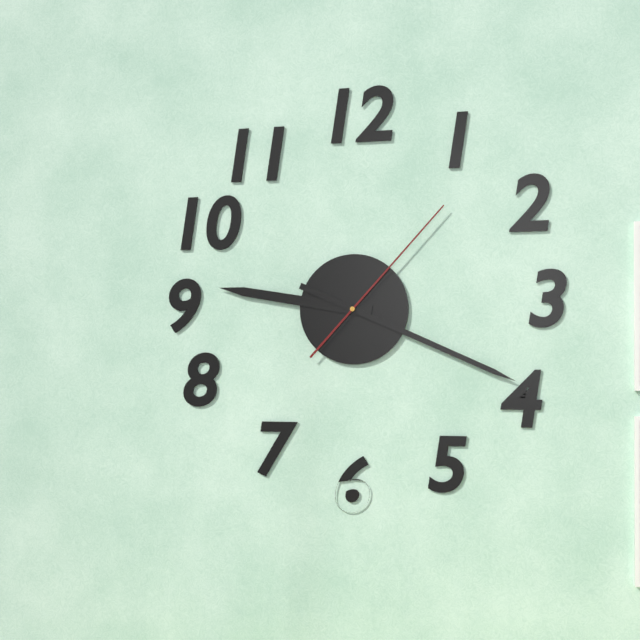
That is h=9 m=19 s=7
